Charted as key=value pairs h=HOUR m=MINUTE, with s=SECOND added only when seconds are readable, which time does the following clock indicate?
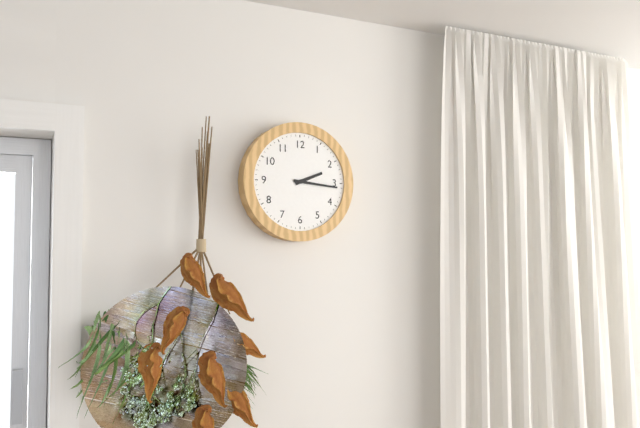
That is h=2 m=16
